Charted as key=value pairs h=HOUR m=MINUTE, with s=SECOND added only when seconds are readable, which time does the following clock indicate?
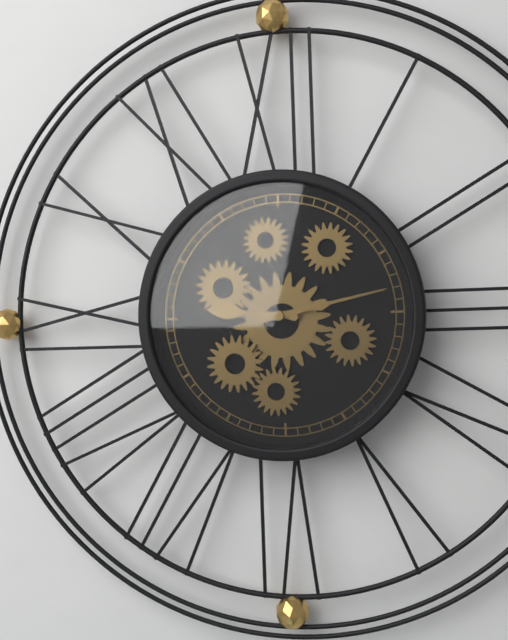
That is h=9 m=13
